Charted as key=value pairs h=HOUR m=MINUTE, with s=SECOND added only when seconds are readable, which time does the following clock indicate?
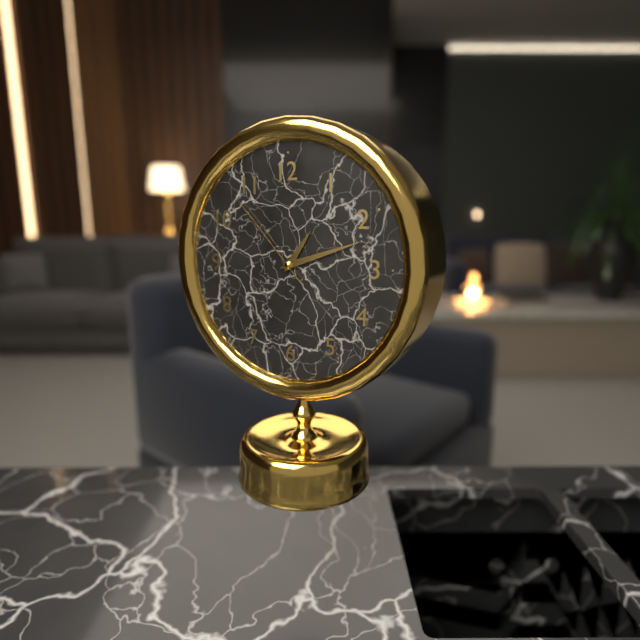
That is h=1 m=12 s=53
